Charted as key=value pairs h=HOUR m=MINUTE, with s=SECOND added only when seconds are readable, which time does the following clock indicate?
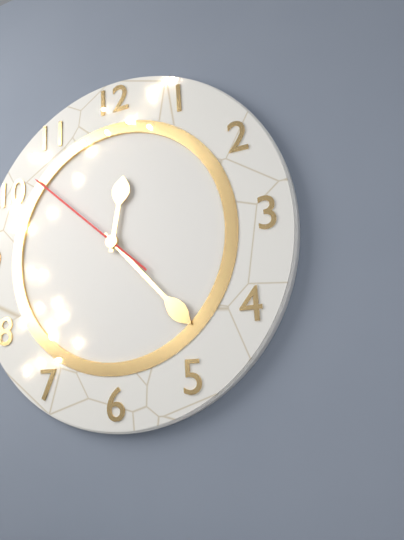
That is h=12 m=23 s=52
